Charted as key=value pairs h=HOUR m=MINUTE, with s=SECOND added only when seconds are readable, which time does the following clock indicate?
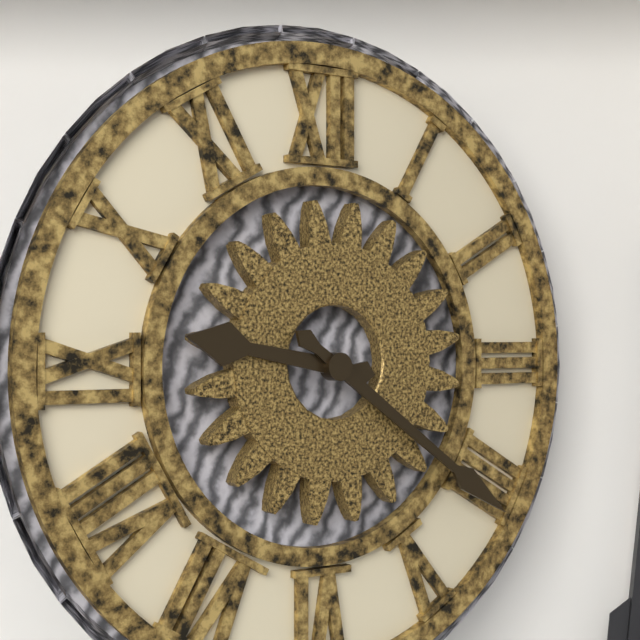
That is h=9 m=21
